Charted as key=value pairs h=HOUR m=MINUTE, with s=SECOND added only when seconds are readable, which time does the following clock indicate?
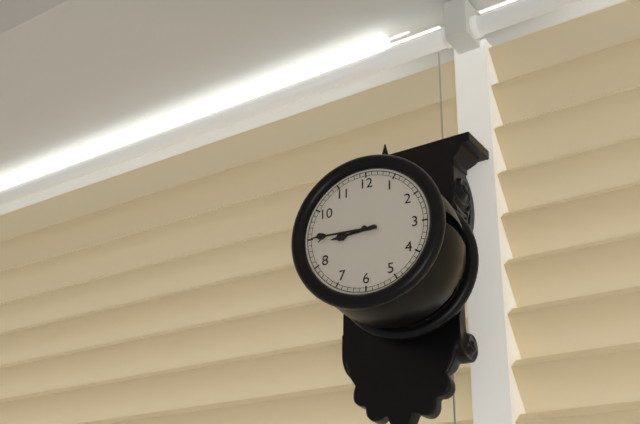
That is h=8 m=45
